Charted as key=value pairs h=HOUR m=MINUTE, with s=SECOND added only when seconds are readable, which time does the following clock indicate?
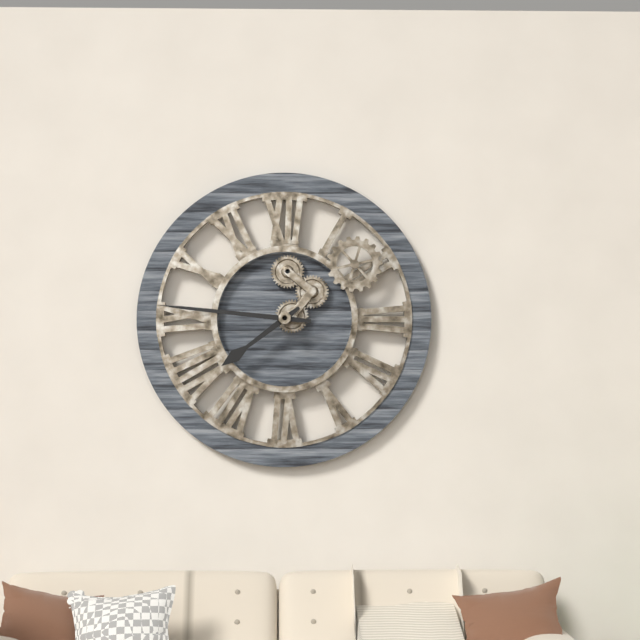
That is h=7 m=46
